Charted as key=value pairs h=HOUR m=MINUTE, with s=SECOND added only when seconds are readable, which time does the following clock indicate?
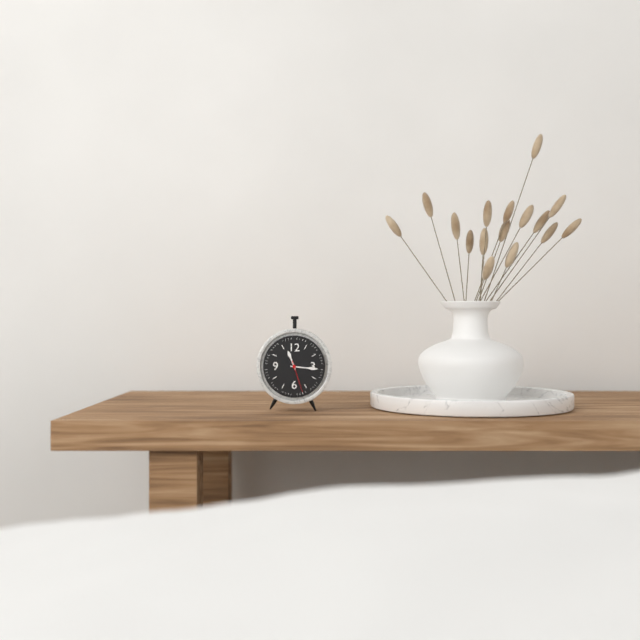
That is h=11 m=16
